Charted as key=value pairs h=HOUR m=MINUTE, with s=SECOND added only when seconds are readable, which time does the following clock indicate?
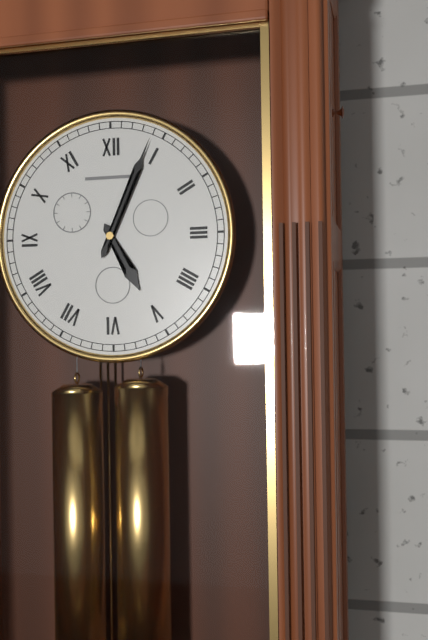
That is h=5 m=4
